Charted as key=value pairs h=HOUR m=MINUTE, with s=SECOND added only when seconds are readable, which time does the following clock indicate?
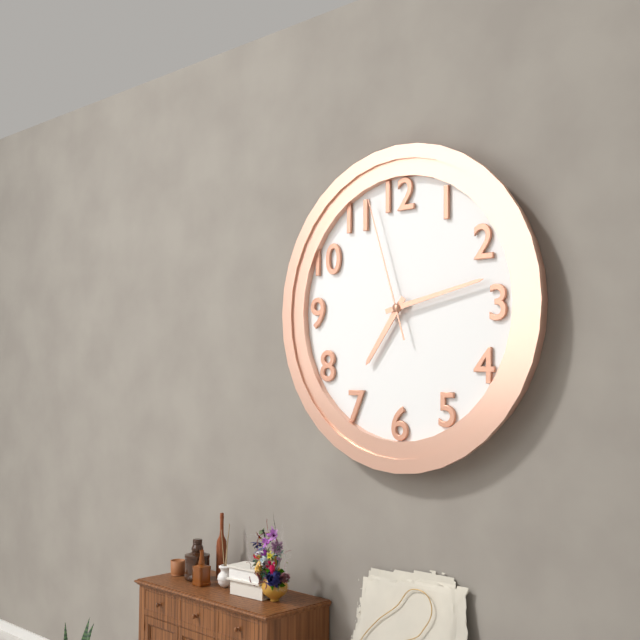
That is h=7 m=13 s=57
